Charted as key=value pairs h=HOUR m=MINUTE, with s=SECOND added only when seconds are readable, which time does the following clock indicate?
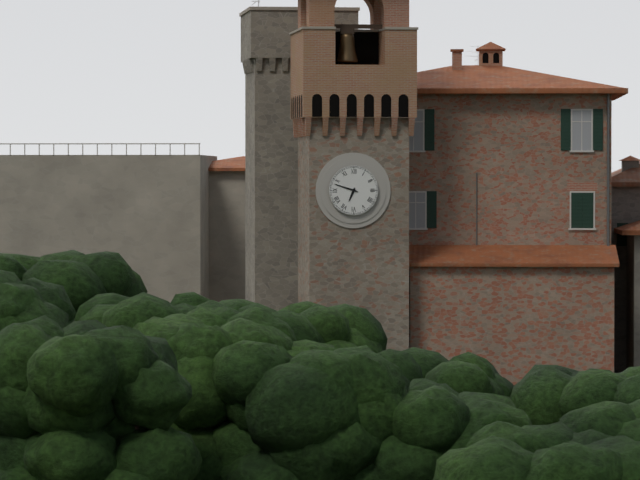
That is h=6 m=48
